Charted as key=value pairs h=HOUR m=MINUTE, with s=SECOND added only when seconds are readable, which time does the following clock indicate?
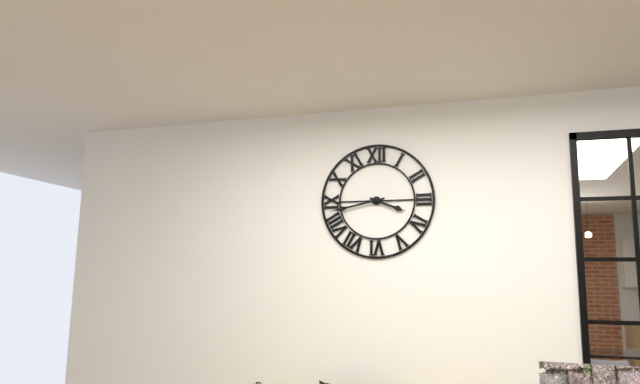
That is h=3 m=43
